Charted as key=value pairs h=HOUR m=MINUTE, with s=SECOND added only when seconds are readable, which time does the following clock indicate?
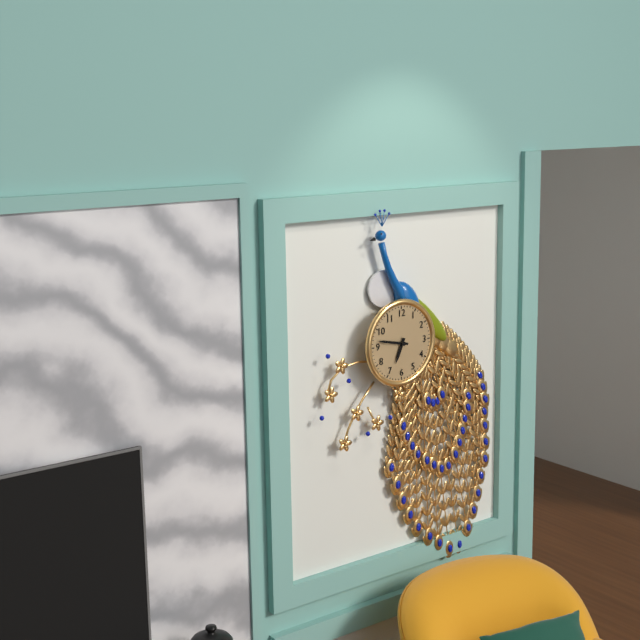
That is h=6 m=47
